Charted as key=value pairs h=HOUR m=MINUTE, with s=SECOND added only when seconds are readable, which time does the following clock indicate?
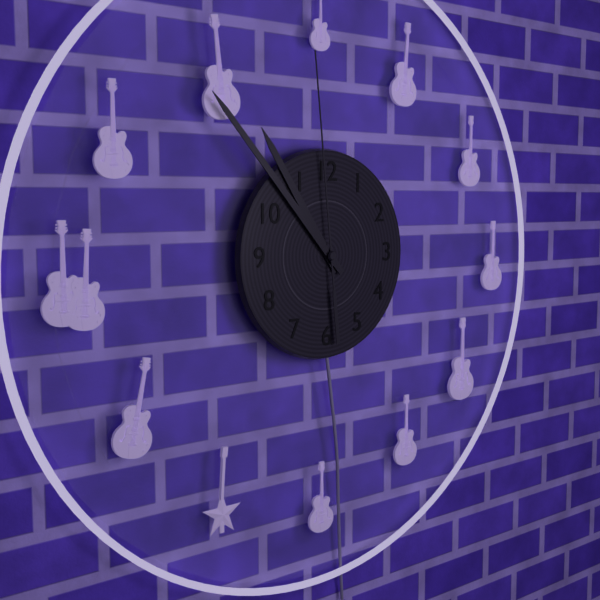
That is h=10 m=53 s=59
